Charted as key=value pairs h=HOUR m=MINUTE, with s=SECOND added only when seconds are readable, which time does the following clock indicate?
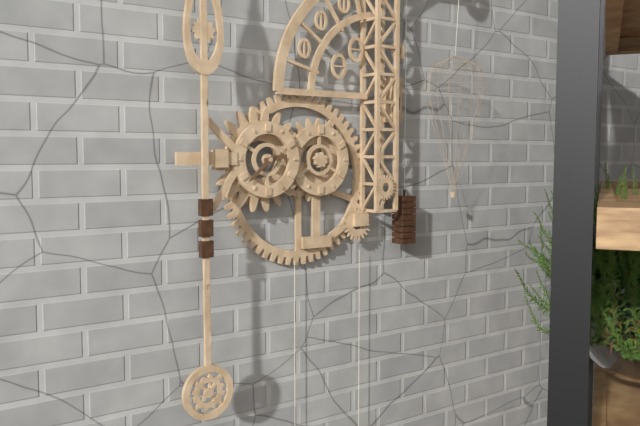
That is h=2 m=38
